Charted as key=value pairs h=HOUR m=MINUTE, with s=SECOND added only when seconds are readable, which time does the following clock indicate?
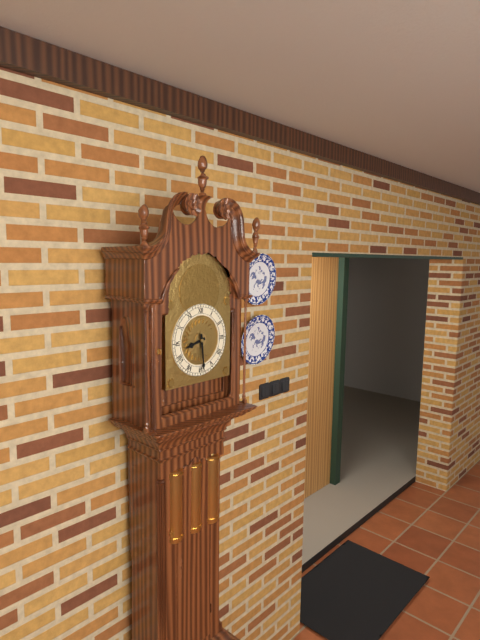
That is h=8 m=29
